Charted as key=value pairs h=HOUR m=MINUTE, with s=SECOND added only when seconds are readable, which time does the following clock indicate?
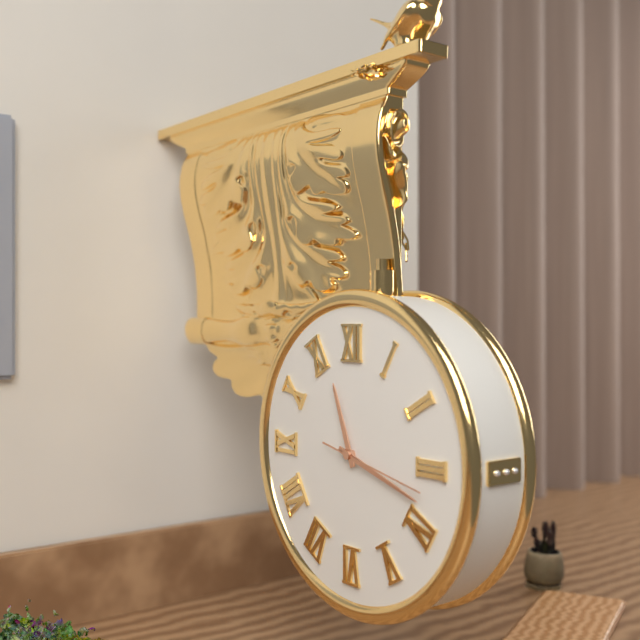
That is h=11 m=18 s=17
